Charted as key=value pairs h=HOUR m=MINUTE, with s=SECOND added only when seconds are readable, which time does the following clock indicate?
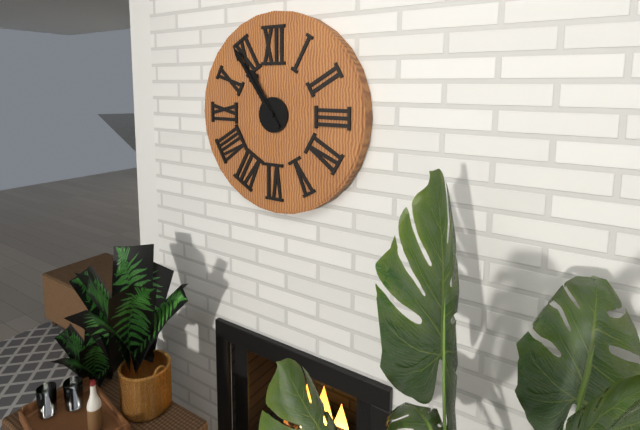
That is h=10 m=54
